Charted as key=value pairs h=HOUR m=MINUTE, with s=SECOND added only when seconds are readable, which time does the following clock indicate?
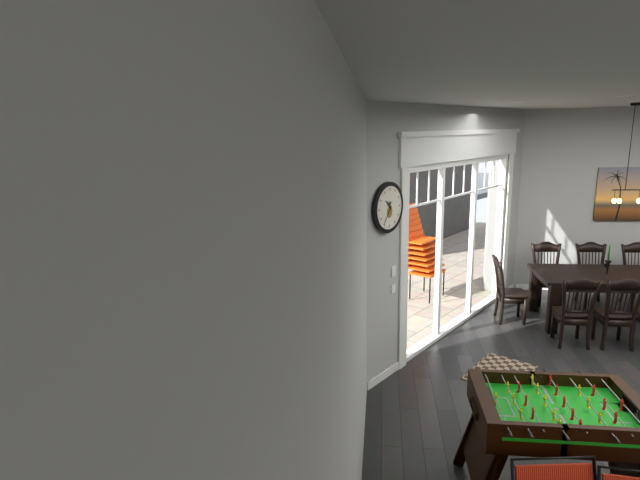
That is h=10 m=36
